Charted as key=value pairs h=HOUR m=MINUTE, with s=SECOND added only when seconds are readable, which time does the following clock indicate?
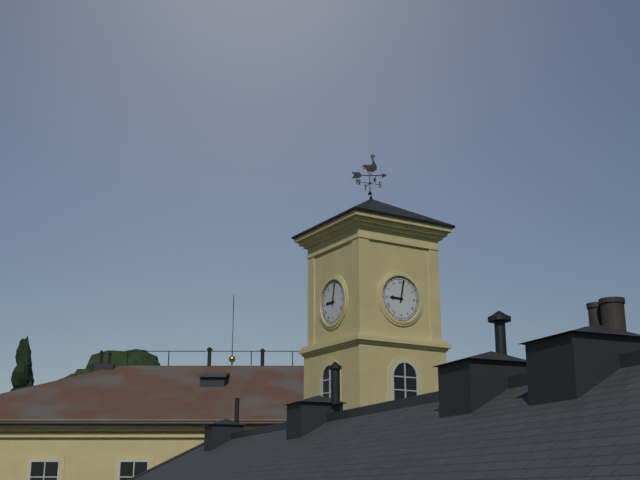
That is h=9 m=2
